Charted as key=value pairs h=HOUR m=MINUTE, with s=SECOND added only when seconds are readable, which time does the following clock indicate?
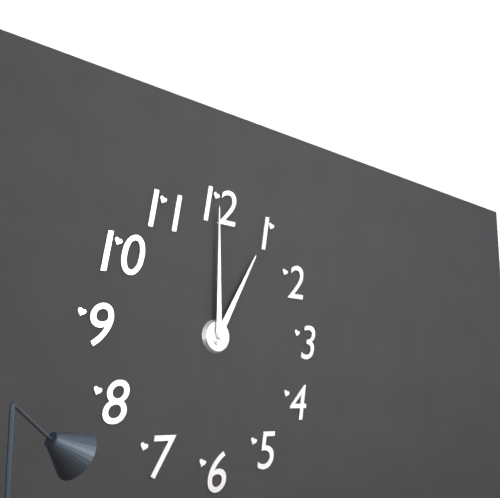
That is h=1 m=0
